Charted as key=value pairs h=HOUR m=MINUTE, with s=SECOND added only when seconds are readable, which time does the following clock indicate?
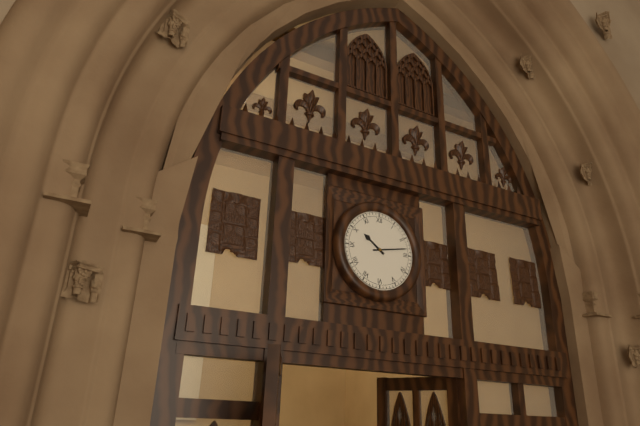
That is h=10 m=13
